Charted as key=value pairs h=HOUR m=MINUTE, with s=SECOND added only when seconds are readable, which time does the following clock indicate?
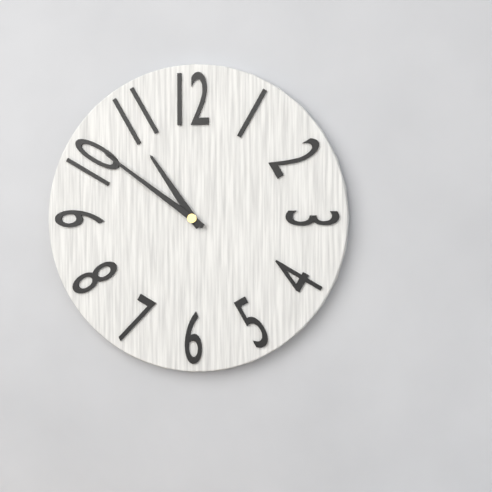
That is h=10 m=51
